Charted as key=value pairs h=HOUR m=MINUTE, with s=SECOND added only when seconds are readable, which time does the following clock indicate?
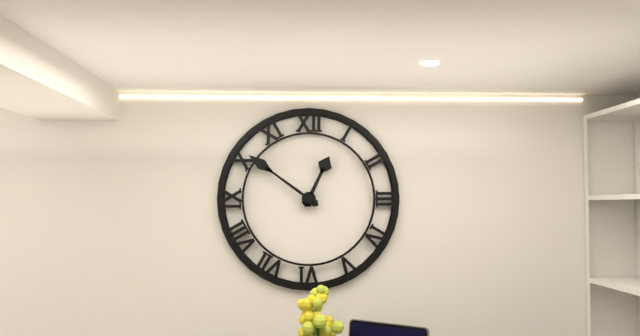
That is h=12 m=51
